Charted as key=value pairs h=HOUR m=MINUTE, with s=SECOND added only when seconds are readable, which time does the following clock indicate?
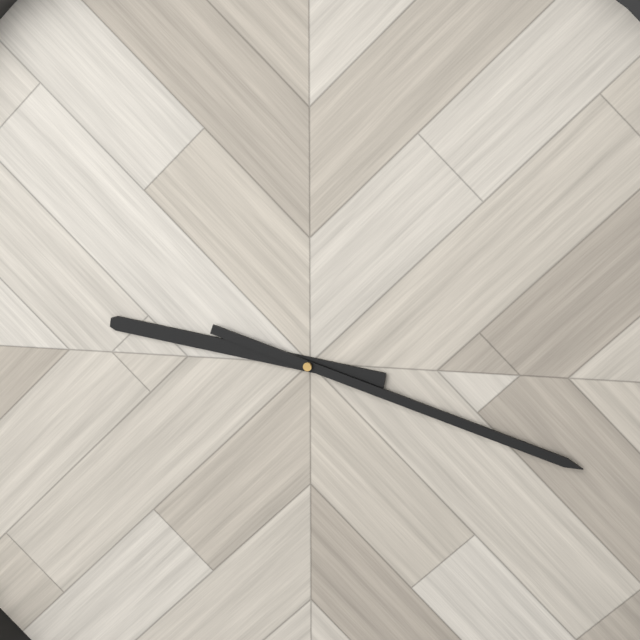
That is h=9 m=18
